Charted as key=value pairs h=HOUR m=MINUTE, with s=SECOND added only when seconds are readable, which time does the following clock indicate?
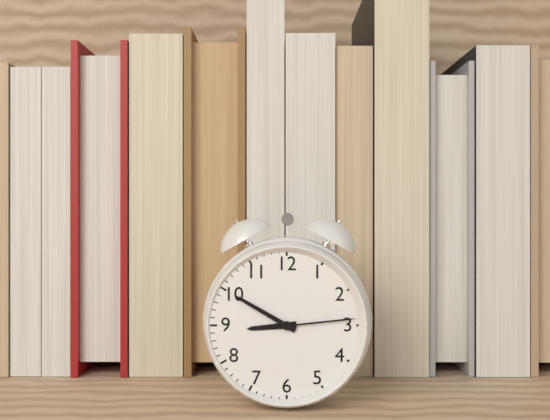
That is h=8 m=50 s=14
